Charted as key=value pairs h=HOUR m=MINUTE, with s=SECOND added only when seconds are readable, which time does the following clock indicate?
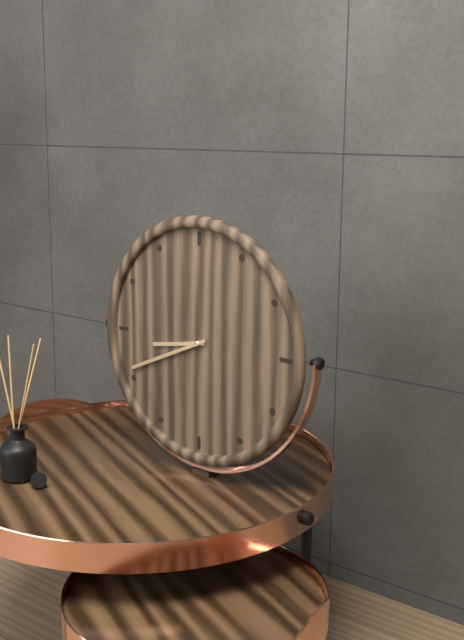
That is h=8 m=41
